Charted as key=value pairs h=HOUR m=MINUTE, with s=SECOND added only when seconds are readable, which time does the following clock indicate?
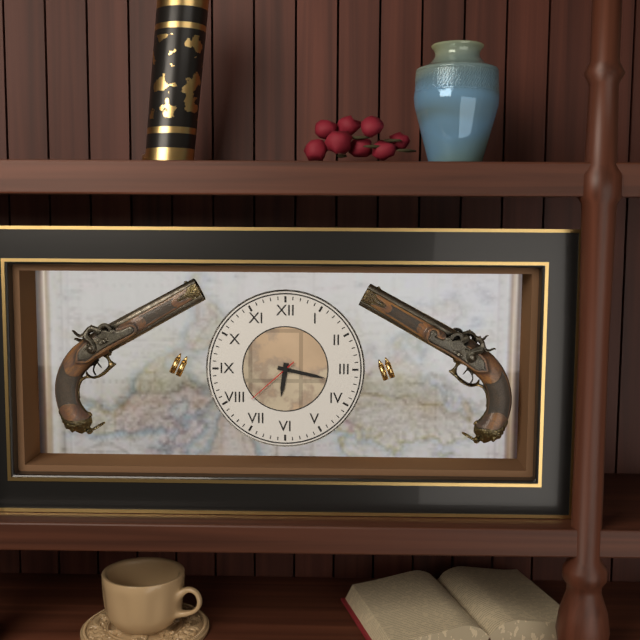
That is h=6 m=17 s=38
